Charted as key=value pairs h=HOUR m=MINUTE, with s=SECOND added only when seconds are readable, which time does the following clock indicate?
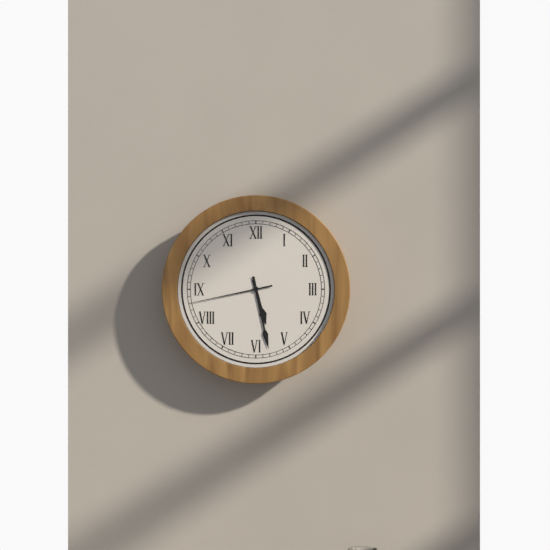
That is h=5 m=28 s=43
